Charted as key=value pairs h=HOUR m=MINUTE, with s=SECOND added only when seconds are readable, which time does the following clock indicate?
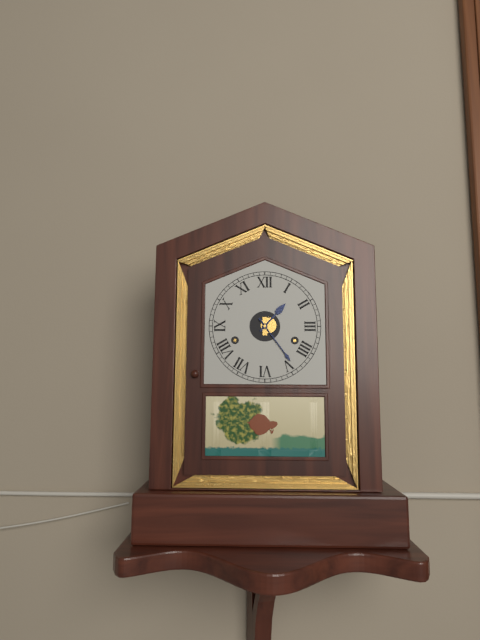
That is h=1 m=24
